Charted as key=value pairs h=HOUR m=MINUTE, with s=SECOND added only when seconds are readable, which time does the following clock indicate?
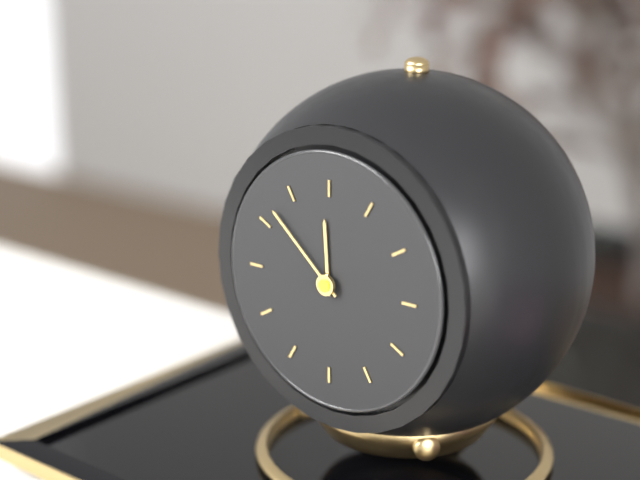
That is h=11 m=52
